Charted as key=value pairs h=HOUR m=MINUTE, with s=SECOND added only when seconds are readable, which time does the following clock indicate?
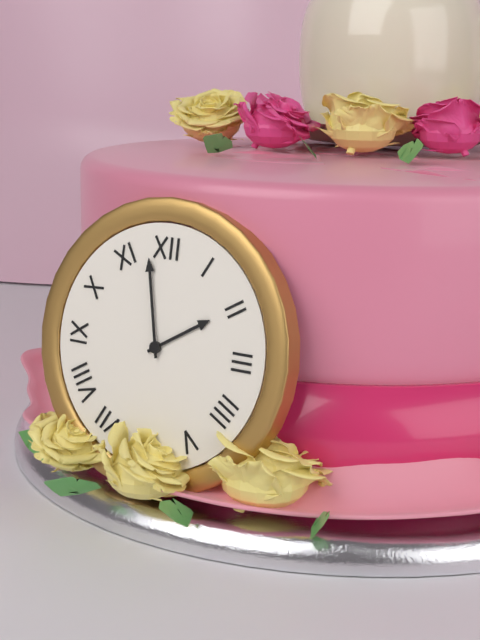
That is h=1 m=58
